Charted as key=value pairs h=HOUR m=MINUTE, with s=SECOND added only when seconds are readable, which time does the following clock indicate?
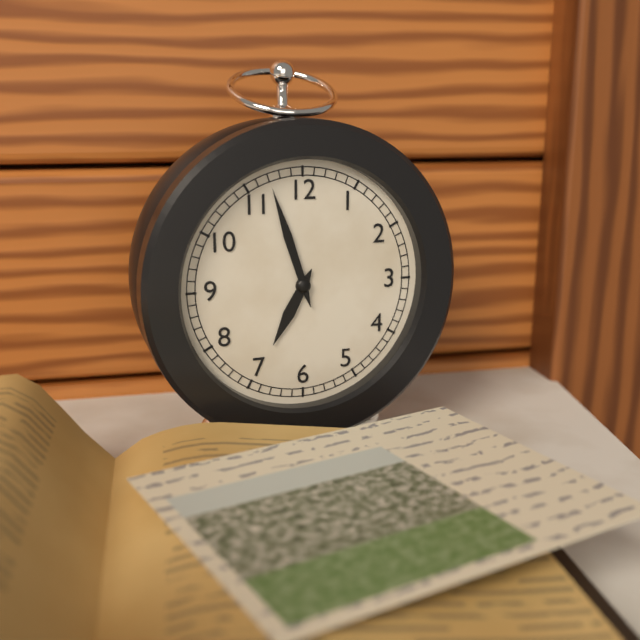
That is h=6 m=57
